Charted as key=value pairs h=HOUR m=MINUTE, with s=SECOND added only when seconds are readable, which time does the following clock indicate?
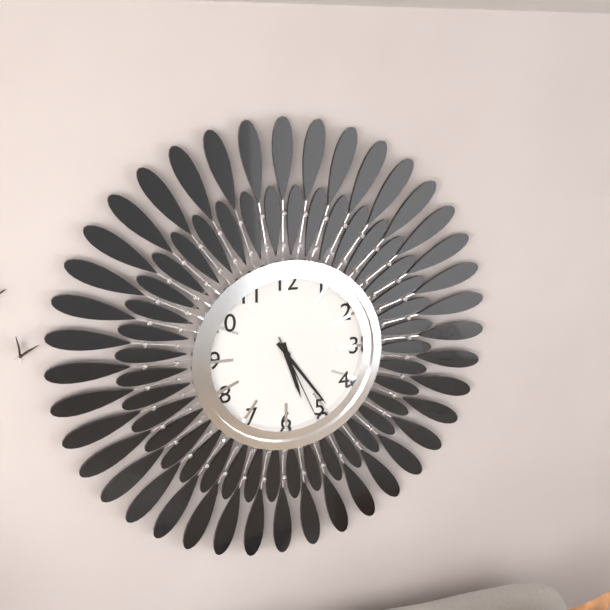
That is h=5 m=24 s=26
